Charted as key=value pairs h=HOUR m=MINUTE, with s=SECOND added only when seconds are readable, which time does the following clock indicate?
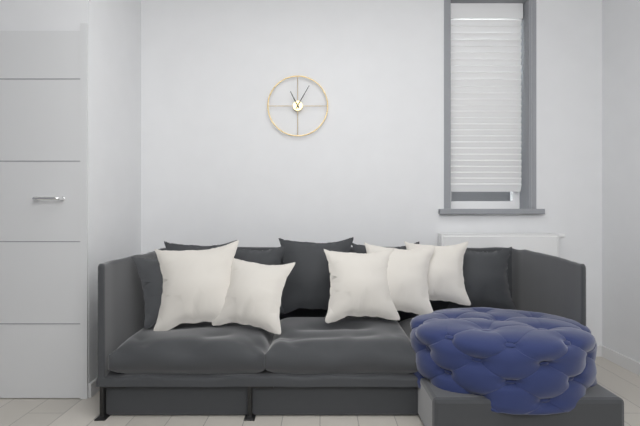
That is h=11 m=5
